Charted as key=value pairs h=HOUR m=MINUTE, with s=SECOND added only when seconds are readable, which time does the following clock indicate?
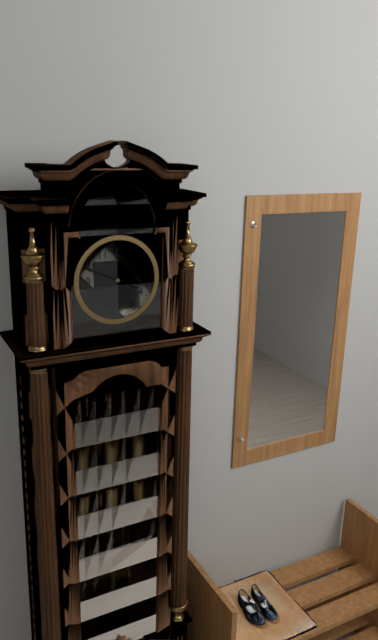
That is h=3 m=49
